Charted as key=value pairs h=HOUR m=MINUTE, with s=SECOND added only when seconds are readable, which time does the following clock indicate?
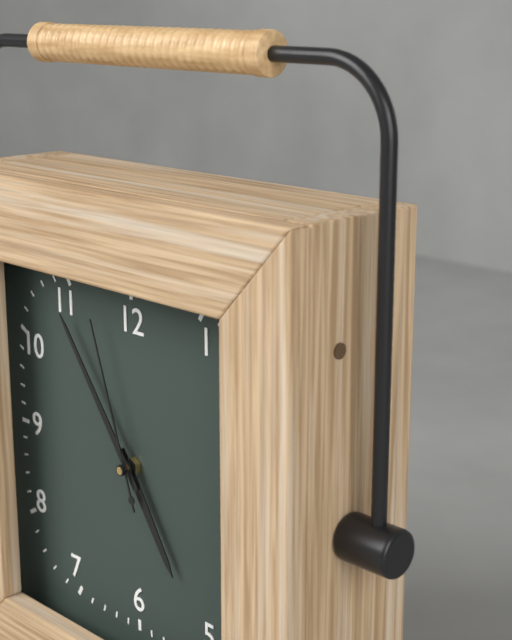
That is h=4 m=54 s=57
